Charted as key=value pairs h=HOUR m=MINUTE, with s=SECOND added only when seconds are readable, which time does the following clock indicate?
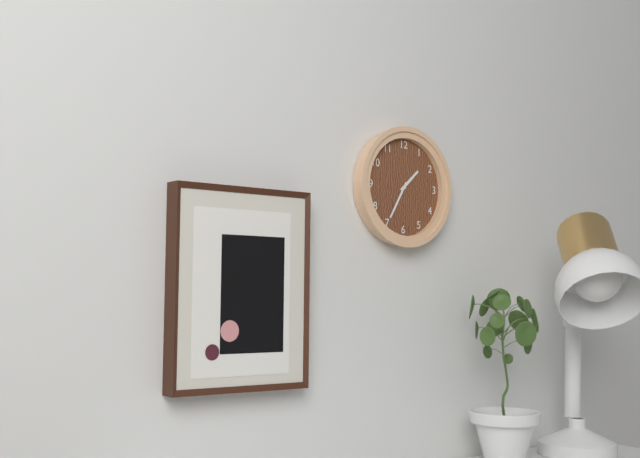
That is h=1 m=35
